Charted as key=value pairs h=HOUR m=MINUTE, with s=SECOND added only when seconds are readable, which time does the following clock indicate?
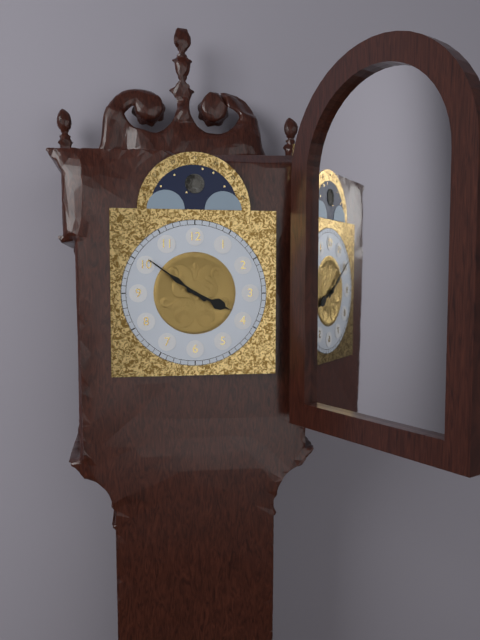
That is h=3 m=51
